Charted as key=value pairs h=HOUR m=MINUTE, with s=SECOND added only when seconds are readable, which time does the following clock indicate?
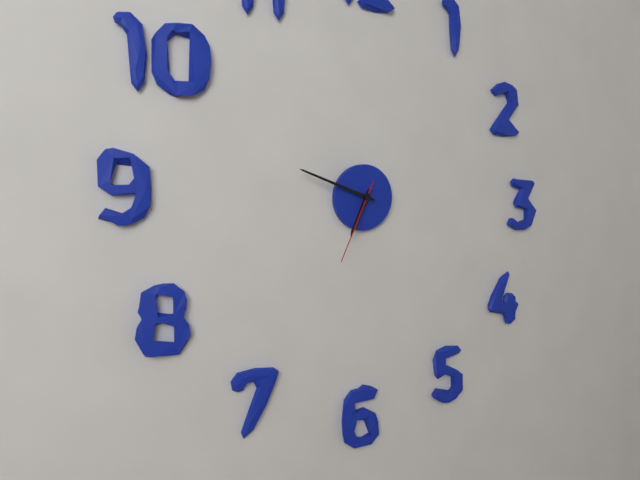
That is h=6 m=48 s=34
